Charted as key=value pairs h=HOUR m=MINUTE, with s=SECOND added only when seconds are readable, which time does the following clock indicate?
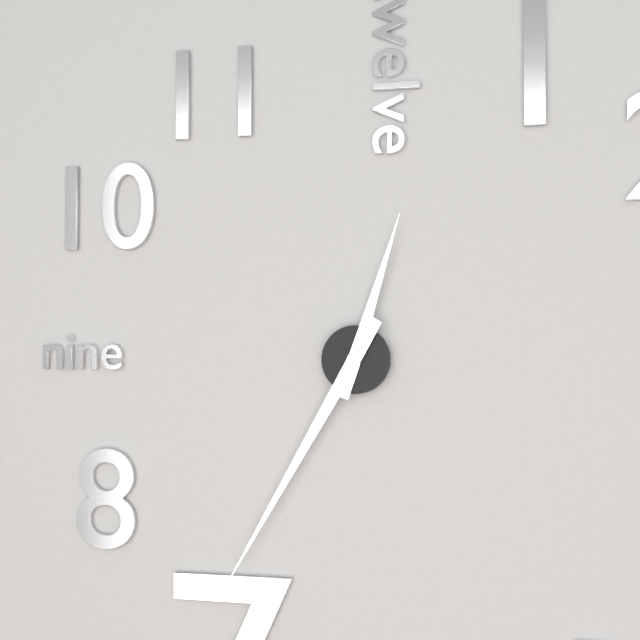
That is h=12 m=35
